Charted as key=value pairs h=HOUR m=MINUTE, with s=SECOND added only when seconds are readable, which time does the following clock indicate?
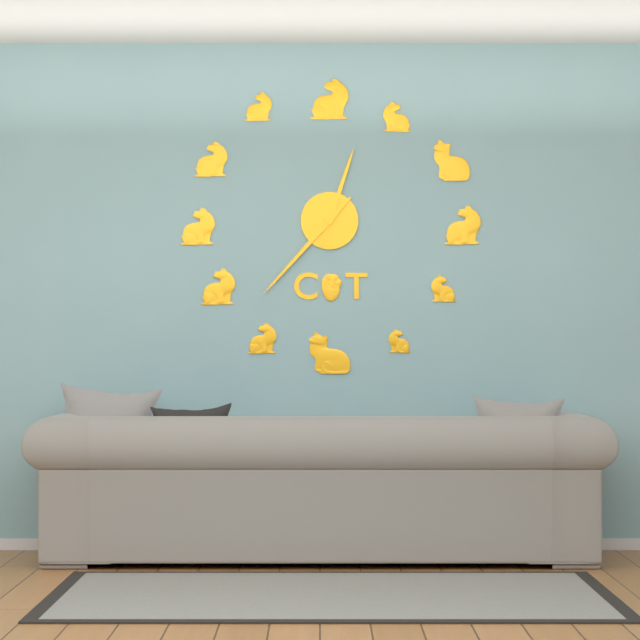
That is h=12 m=37
